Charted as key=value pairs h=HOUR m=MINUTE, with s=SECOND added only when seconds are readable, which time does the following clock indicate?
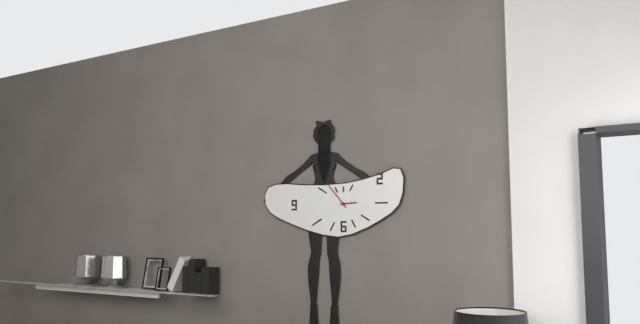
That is h=2 m=53
